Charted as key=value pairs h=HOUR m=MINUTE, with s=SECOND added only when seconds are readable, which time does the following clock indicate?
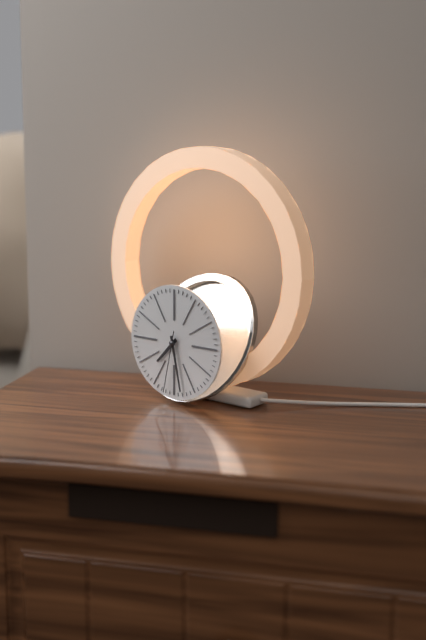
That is h=7 m=28 s=32
